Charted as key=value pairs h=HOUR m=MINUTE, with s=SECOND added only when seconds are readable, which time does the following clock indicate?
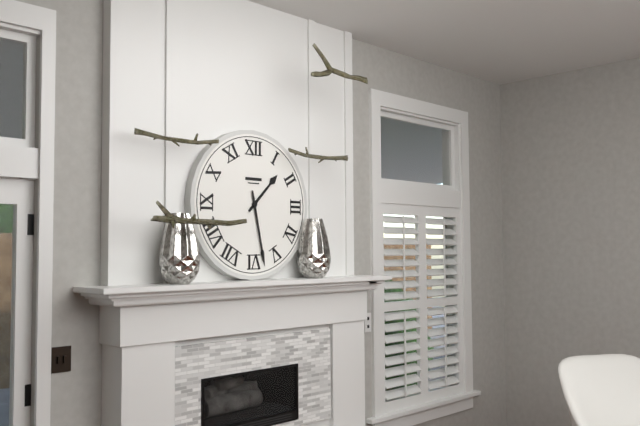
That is h=1 m=28
